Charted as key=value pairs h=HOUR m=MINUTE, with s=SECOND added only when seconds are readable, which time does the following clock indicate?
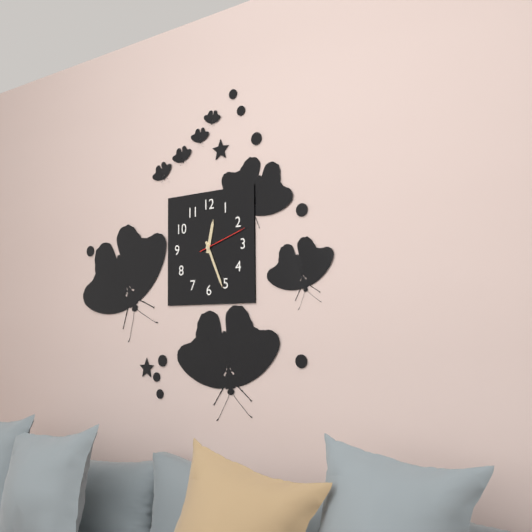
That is h=12 m=26 s=12
